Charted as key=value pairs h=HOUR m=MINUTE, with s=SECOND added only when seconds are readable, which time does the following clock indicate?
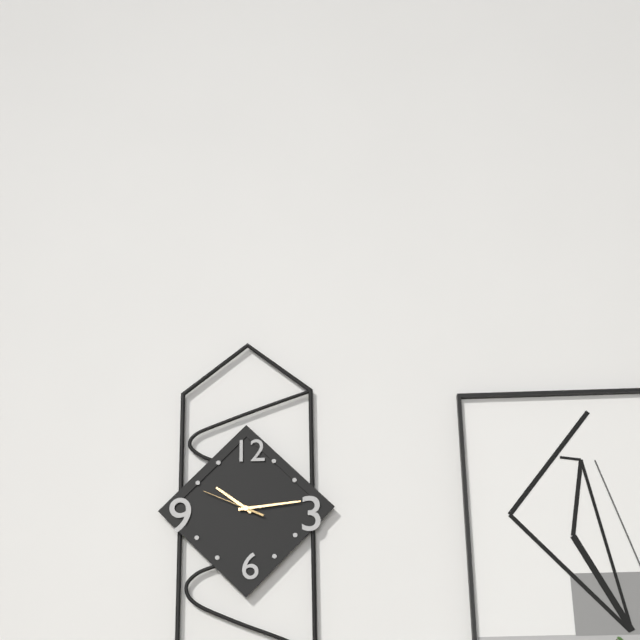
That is h=10 m=14 s=49
